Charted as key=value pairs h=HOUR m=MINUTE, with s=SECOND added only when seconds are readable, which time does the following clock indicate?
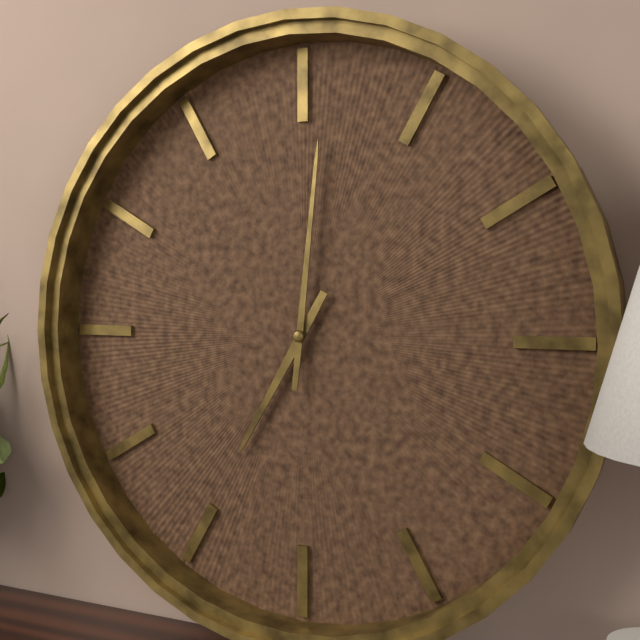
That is h=7 m=1
